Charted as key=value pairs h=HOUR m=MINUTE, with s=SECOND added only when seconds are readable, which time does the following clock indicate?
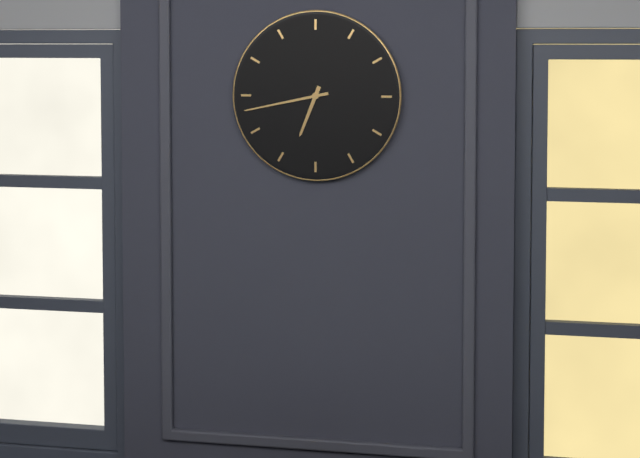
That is h=6 m=43
